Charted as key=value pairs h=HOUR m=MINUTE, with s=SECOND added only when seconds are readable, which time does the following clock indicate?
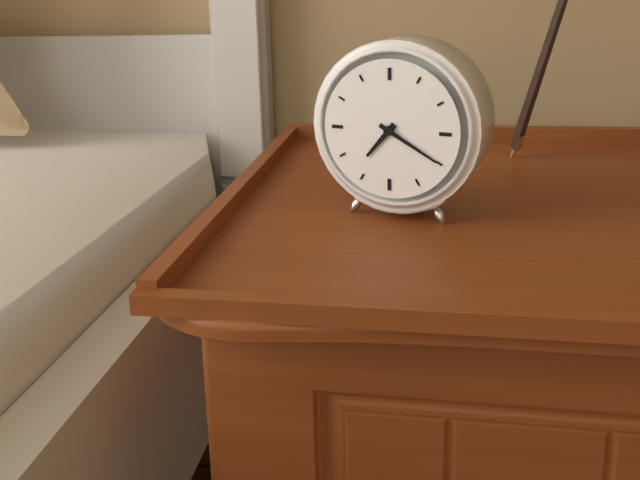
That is h=7 m=20
